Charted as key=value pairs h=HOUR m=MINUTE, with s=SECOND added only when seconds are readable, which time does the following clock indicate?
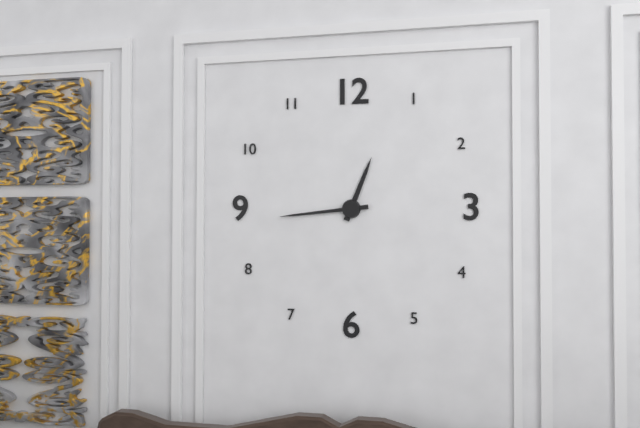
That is h=12 m=44
